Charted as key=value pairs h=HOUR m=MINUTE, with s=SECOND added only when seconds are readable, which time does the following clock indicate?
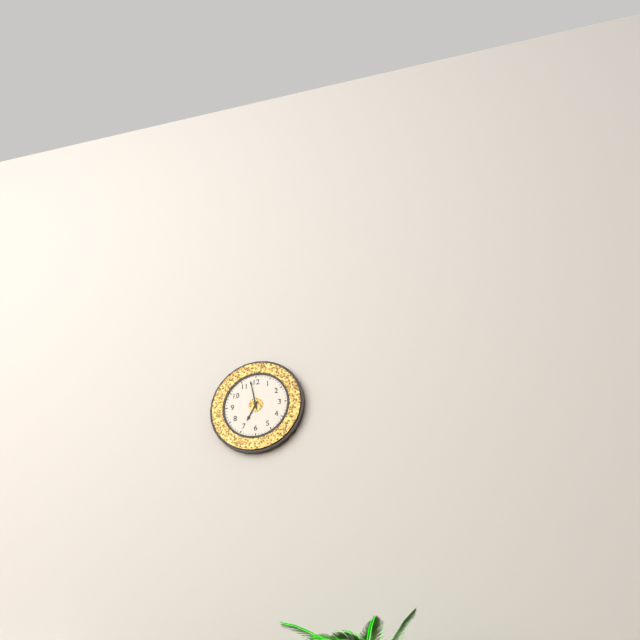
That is h=6 m=58
